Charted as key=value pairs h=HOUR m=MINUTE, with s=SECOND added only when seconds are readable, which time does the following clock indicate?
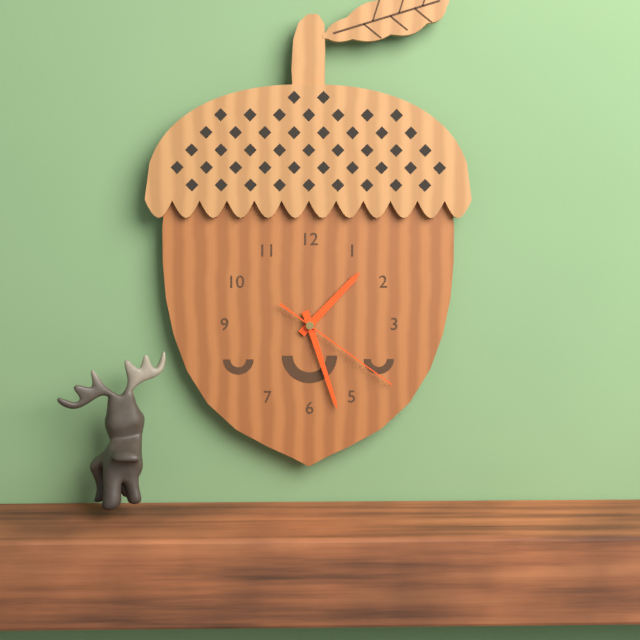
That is h=1 m=27 s=21
